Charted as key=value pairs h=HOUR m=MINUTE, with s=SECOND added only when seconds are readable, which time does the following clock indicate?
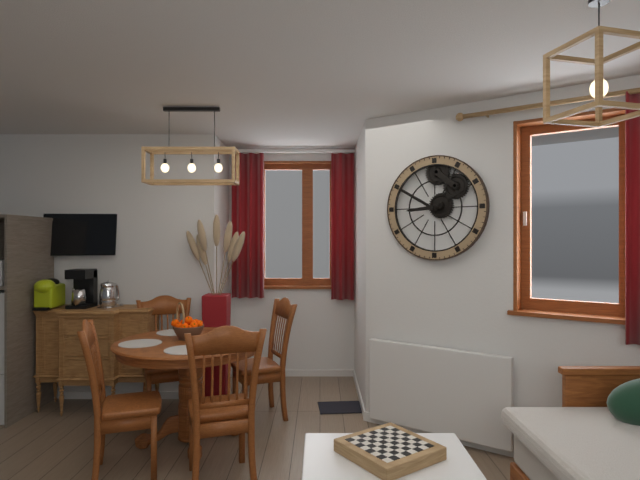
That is h=8 m=50
